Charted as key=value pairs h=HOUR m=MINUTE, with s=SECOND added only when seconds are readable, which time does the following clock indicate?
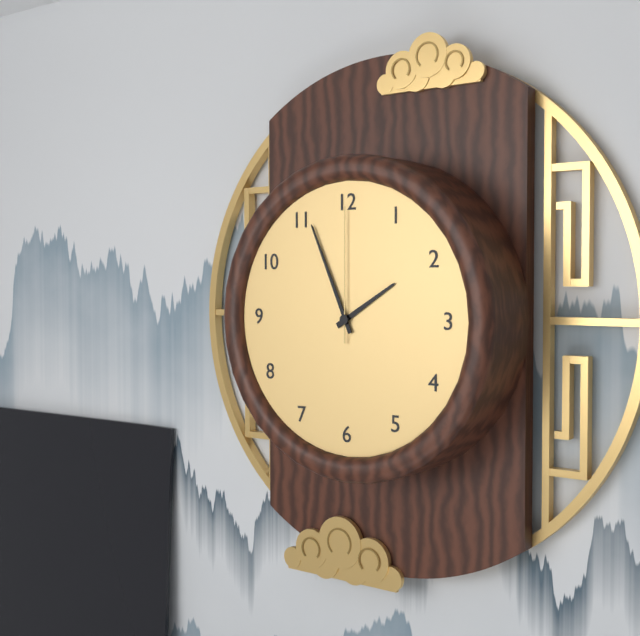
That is h=1 m=56 s=0
